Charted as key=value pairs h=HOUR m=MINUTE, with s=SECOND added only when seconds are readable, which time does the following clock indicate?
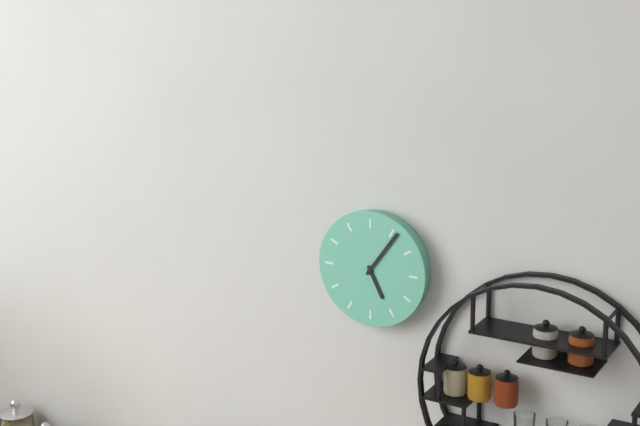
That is h=5 m=6
